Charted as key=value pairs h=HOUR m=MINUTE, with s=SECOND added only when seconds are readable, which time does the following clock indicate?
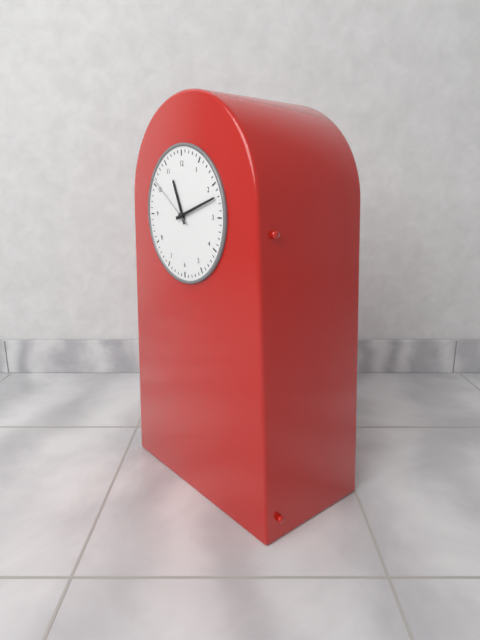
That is h=11 m=12 s=51
